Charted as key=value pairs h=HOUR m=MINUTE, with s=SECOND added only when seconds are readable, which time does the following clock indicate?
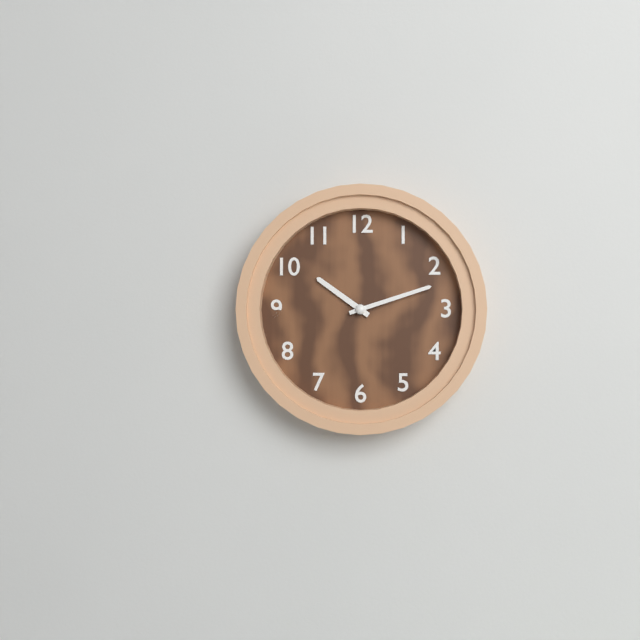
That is h=10 m=12
